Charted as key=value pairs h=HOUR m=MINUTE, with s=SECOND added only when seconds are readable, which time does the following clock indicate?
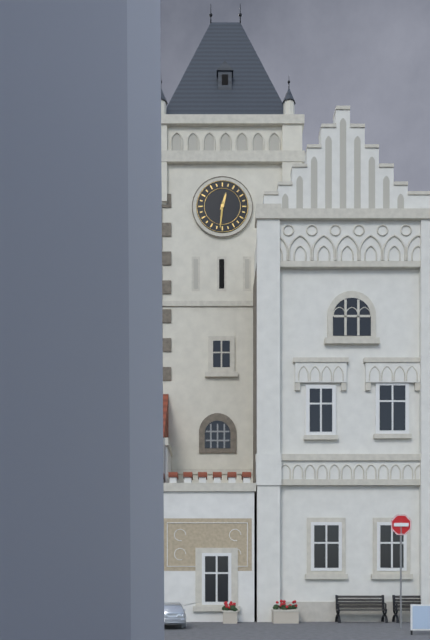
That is h=12 m=31
